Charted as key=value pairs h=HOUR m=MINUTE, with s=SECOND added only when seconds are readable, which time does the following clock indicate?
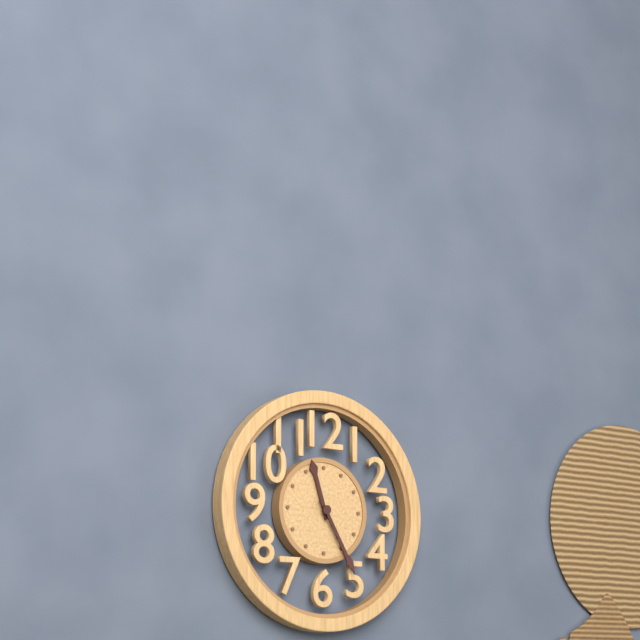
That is h=11 m=25
